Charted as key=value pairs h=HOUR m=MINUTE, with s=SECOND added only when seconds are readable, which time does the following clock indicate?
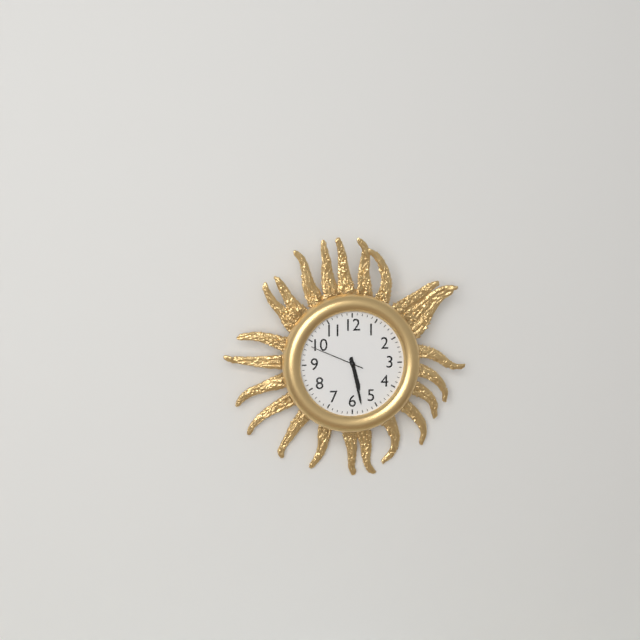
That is h=5 m=28 s=49
